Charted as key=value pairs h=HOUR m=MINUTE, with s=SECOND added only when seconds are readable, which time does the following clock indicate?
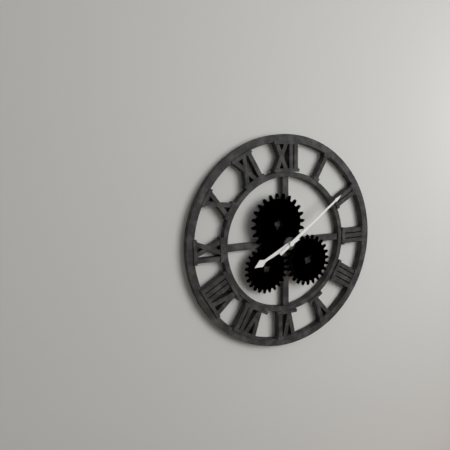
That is h=8 m=9
